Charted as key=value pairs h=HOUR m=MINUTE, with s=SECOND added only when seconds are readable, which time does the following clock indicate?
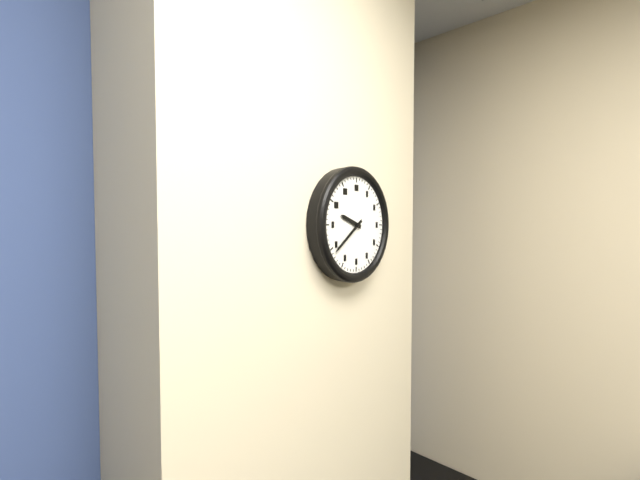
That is h=9 m=39
